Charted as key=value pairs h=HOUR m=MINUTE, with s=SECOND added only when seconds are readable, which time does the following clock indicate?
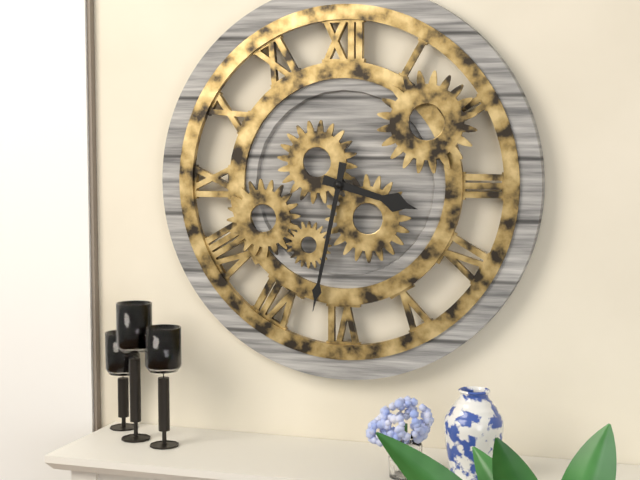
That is h=3 m=32
